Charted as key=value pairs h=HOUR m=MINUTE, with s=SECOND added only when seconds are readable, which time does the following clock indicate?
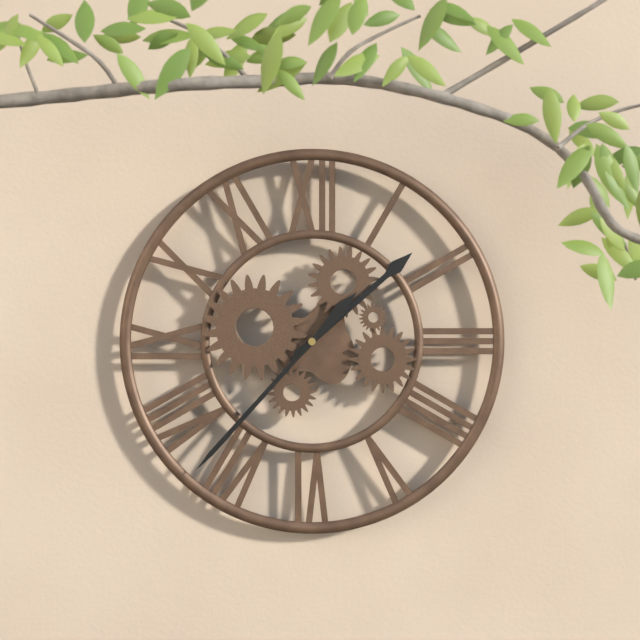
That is h=1 m=37
